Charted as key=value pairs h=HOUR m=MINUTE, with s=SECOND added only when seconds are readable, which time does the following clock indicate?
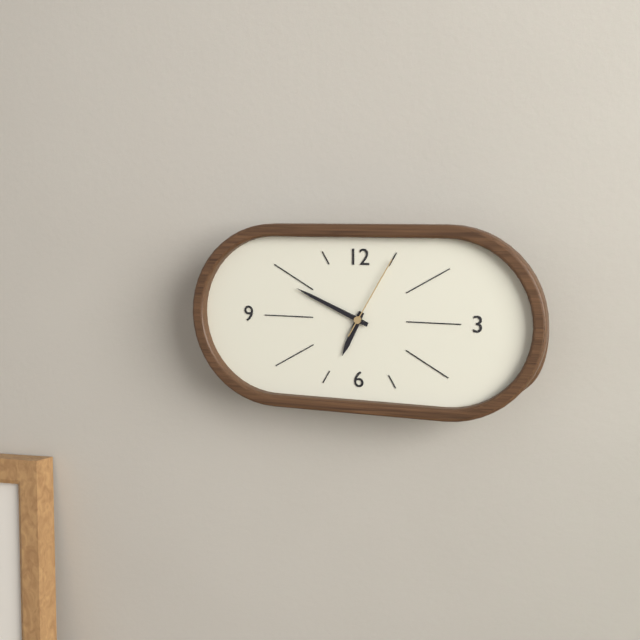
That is h=6 m=49 s=5
